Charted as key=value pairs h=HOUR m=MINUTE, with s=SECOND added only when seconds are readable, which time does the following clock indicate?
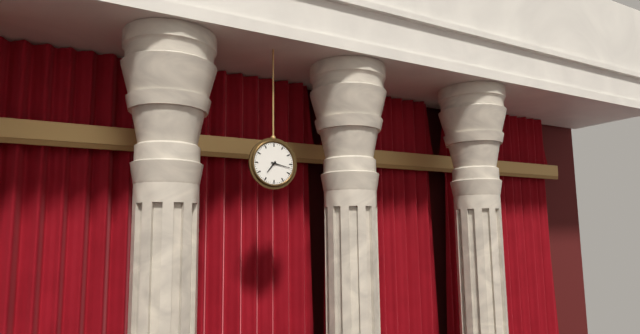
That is h=7 m=17
